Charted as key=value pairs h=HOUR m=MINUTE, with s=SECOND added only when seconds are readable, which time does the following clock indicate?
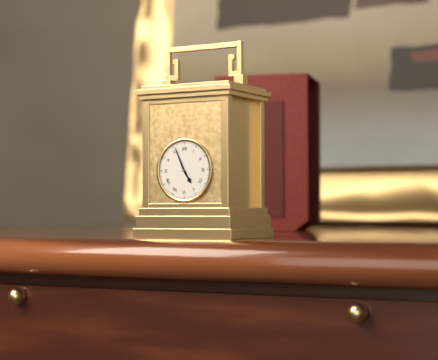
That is h=4 m=56
